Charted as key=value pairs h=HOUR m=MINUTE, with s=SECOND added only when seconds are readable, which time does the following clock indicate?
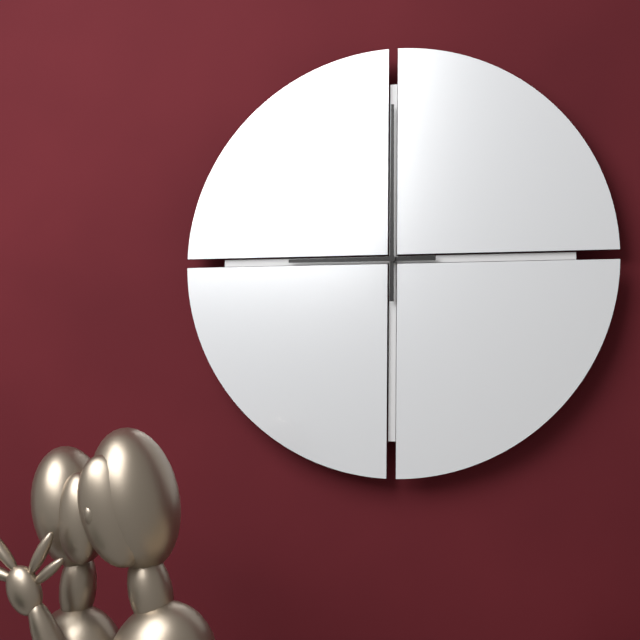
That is h=9 m=0
